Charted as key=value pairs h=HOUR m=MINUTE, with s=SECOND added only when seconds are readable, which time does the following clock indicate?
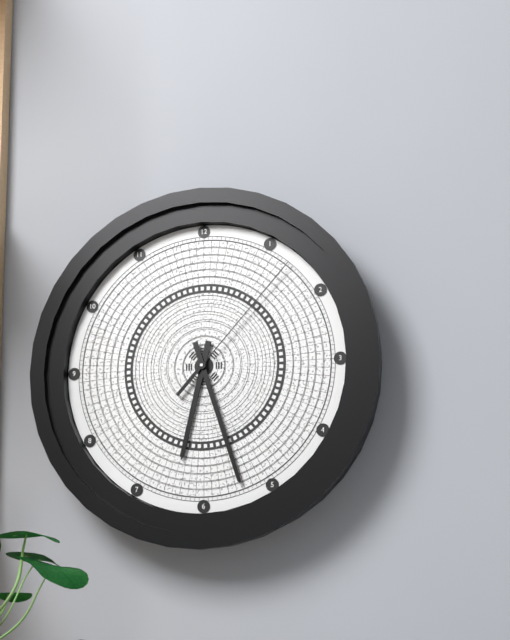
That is h=6 m=27 s=7
